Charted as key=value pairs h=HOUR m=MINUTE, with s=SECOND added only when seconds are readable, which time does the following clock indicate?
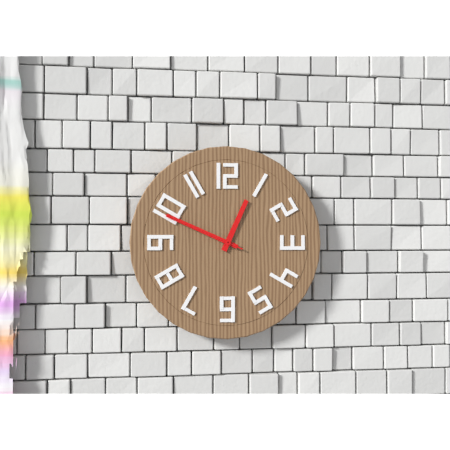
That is h=12 m=49 s=49
